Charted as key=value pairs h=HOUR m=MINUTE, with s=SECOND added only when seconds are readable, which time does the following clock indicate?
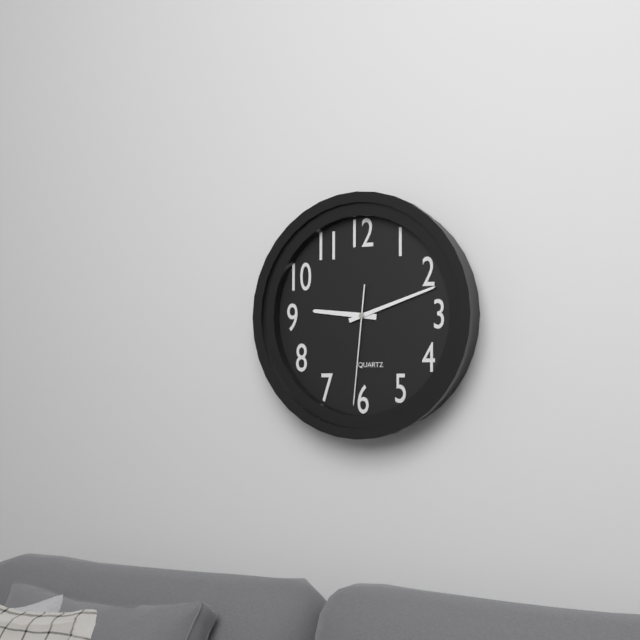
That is h=9 m=12 s=31
